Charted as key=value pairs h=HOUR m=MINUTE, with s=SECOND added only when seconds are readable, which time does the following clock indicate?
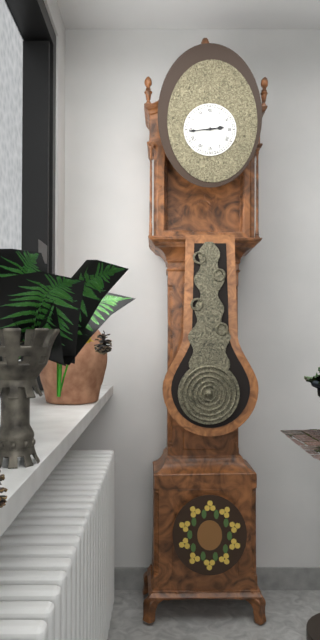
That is h=2 m=44
